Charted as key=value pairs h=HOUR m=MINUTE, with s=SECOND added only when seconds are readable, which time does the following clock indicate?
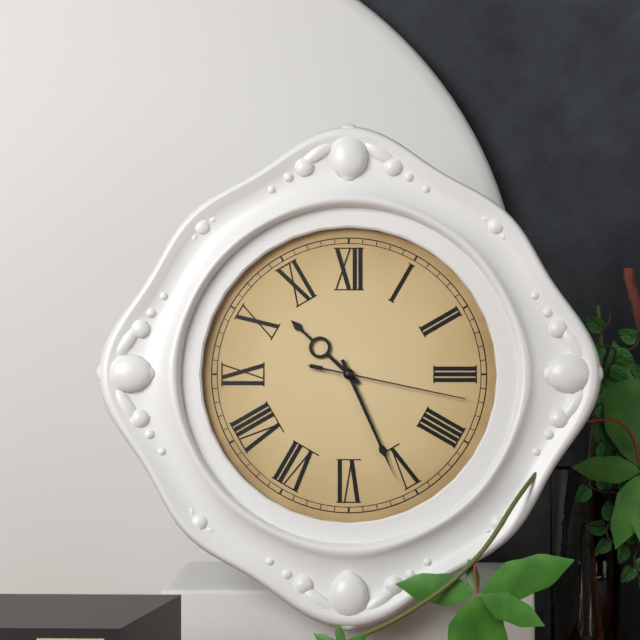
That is h=10 m=26 s=17
